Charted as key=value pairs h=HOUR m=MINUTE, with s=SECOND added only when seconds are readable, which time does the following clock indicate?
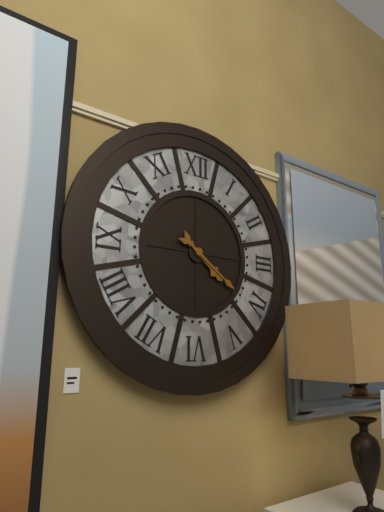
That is h=4 m=21
